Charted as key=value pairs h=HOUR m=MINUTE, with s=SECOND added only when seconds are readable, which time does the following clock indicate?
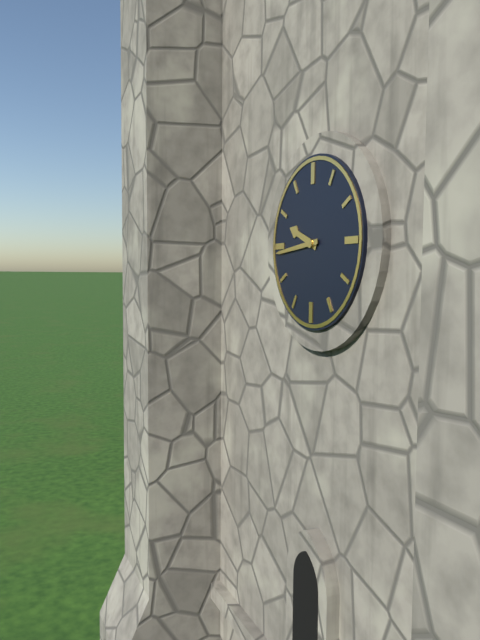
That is h=9 m=44
